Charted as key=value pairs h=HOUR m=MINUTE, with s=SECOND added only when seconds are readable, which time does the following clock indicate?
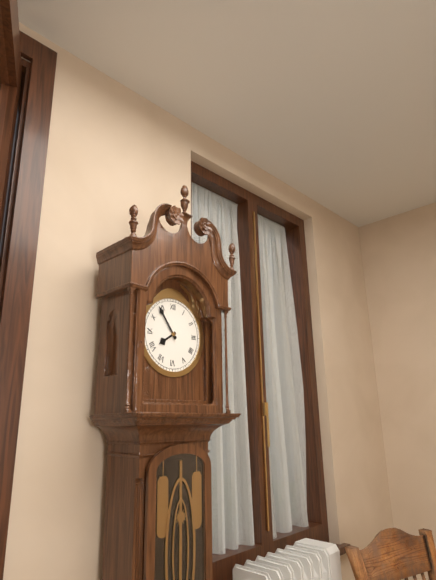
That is h=7 m=54
